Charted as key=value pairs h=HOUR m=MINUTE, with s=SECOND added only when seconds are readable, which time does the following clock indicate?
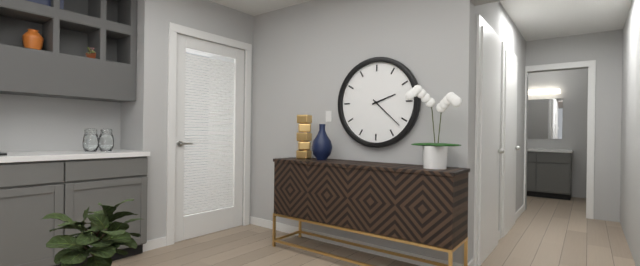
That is h=2 m=22
